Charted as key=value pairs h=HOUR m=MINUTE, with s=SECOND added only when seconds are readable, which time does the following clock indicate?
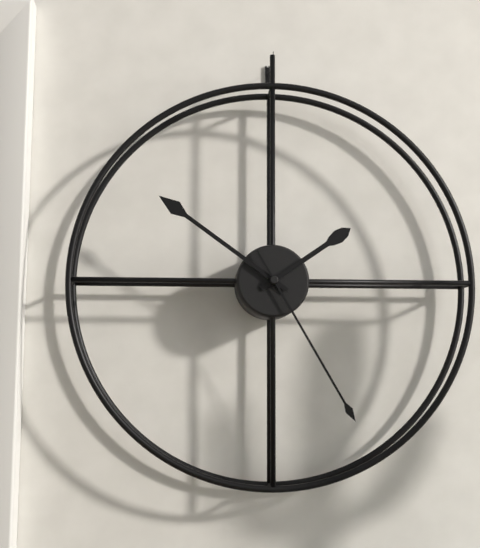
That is h=1 m=51 s=25
